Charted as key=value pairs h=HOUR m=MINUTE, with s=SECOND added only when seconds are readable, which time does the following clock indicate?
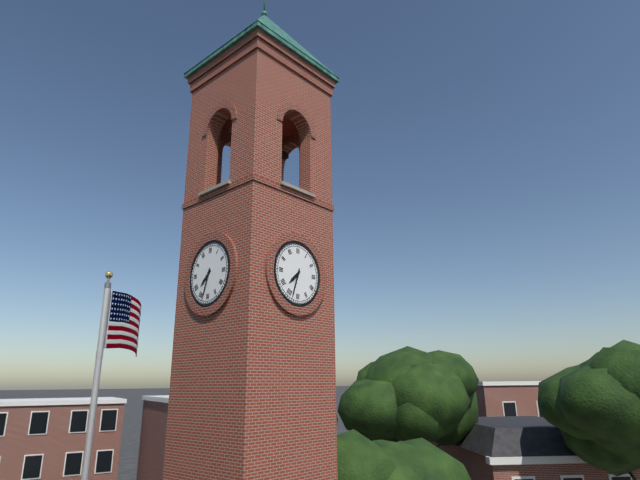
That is h=7 m=33
